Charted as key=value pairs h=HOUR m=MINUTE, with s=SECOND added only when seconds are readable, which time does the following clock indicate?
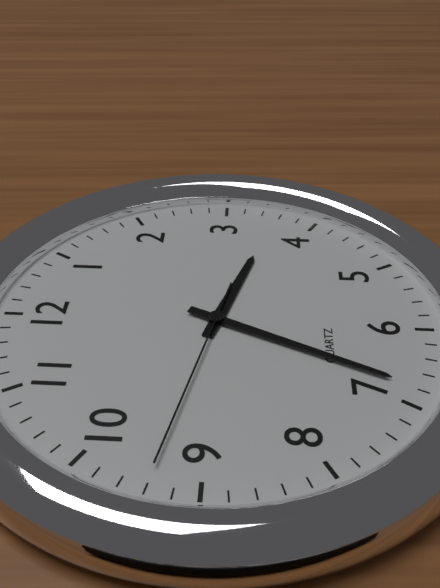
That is h=3 m=34 s=47
